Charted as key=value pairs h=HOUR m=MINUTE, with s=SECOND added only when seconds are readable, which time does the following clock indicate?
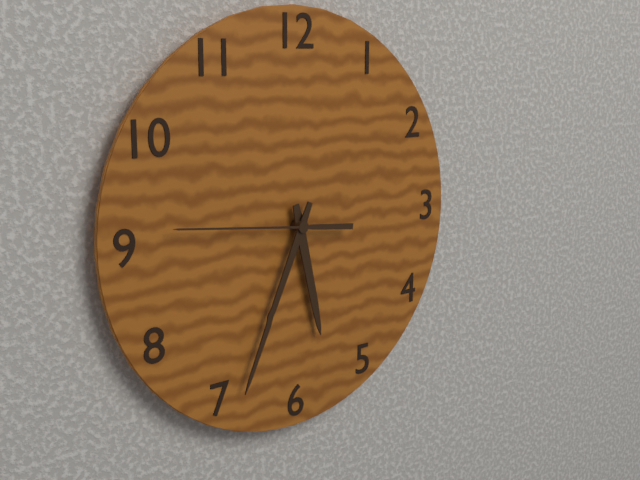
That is h=5 m=34 s=46
